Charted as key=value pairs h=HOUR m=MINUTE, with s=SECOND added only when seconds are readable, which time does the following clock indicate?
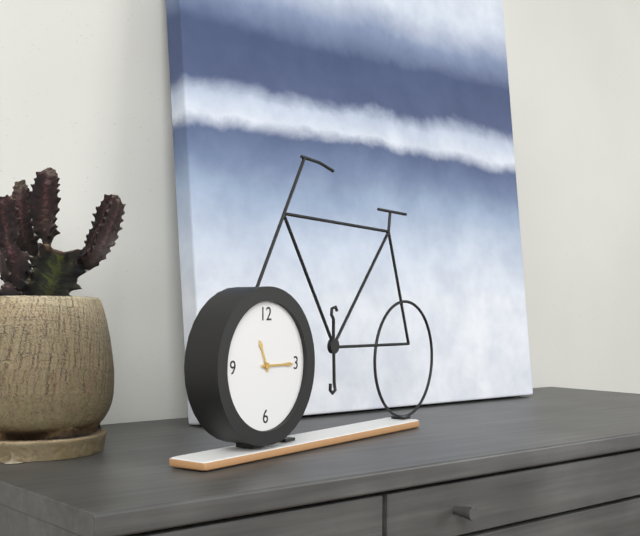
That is h=11 m=15
